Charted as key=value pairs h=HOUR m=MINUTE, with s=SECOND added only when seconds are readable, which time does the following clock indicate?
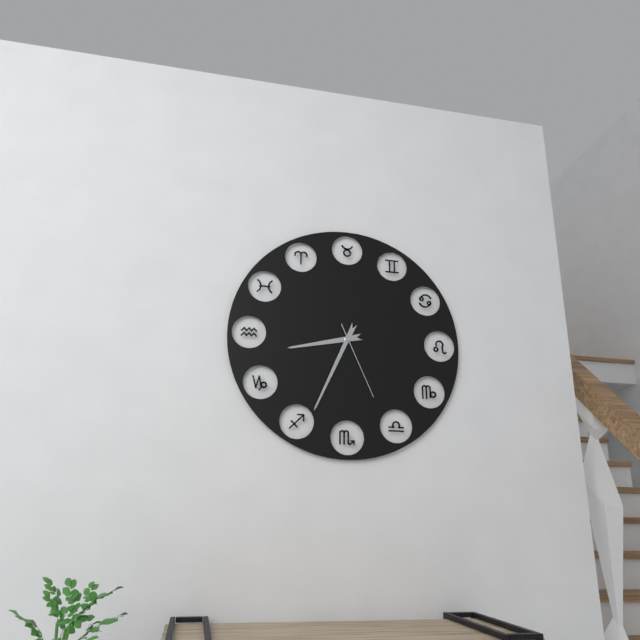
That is h=8 m=34 s=26
